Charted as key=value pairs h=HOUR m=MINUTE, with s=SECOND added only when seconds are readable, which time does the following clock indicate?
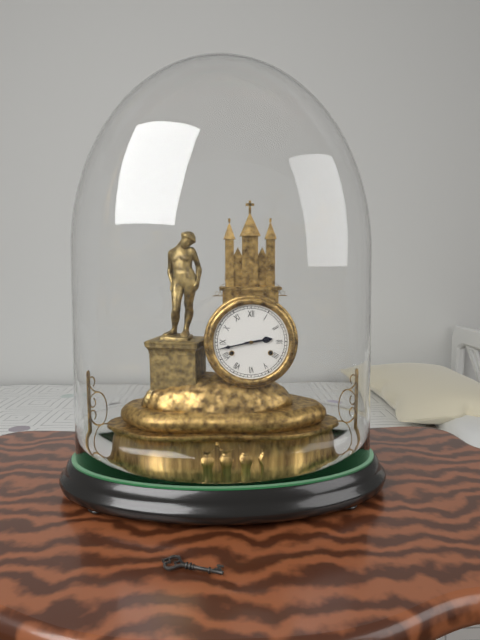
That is h=2 m=43
